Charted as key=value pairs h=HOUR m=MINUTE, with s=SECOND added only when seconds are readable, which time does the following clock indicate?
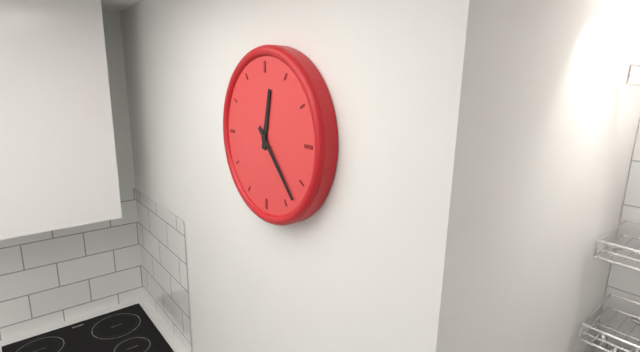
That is h=12 m=23
